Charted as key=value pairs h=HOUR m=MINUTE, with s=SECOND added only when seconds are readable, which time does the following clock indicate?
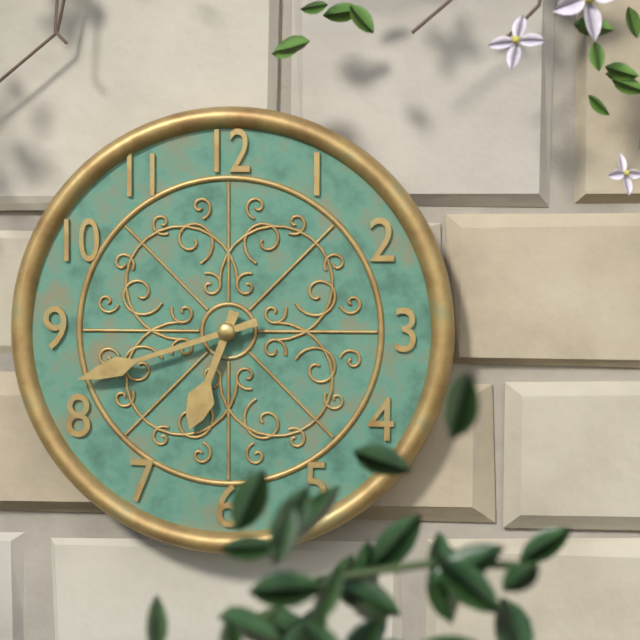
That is h=6 m=42
